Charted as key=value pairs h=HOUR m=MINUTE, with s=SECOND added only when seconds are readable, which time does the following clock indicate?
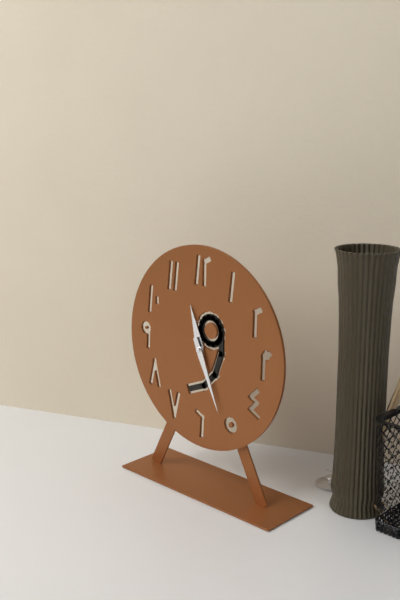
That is h=11 m=26
